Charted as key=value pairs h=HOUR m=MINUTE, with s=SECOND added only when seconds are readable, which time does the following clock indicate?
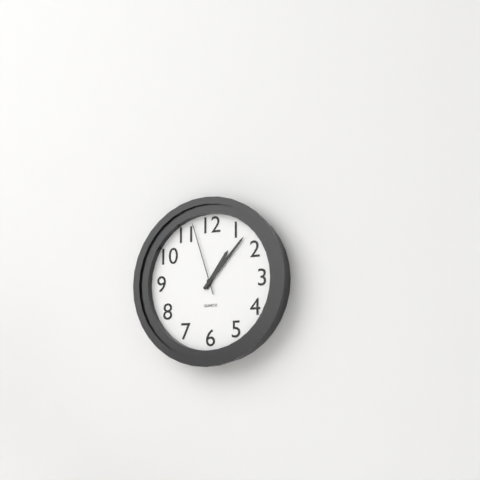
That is h=1 m=7 s=57
